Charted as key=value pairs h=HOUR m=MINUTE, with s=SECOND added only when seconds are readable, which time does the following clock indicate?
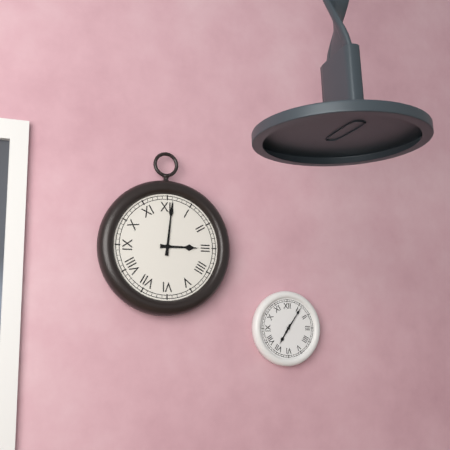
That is h=3 m=1
